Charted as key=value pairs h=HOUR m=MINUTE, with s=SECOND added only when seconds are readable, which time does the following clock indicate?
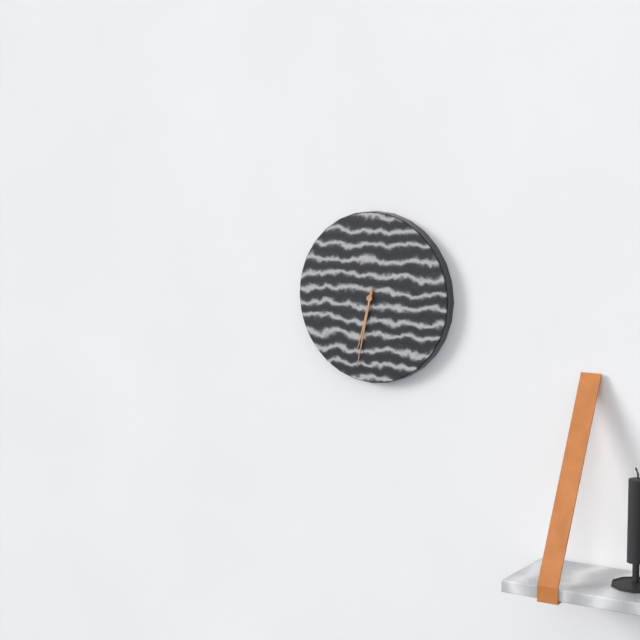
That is h=6 m=32
